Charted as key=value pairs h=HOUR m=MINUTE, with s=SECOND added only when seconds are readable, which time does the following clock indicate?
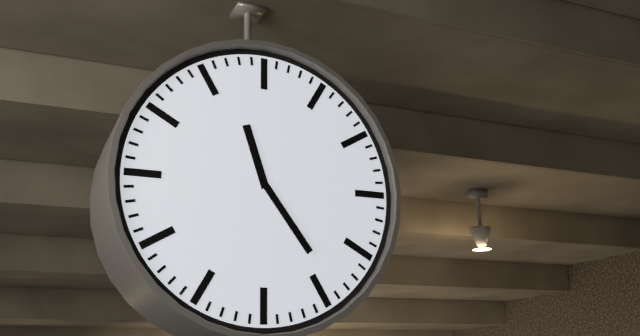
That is h=11 m=24
